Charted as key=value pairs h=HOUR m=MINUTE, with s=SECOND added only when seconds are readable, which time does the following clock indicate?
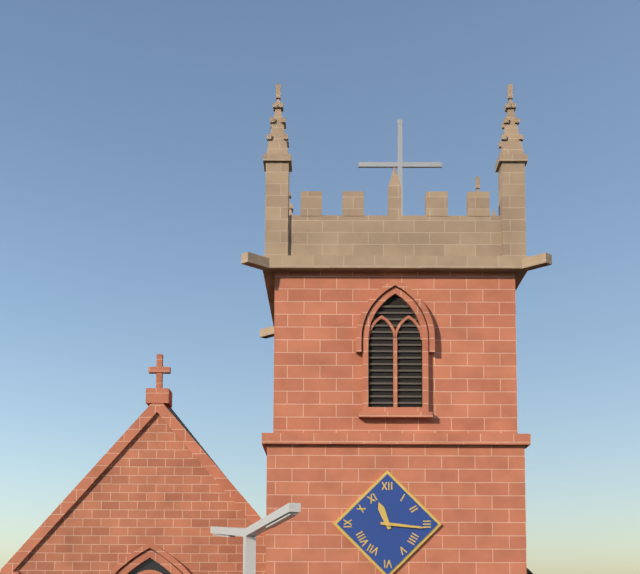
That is h=11 m=16
